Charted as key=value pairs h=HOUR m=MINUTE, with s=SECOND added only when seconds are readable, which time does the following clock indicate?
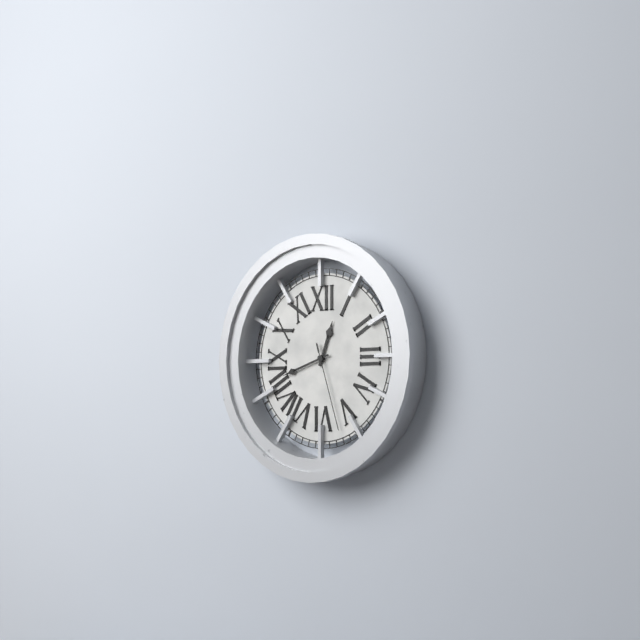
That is h=12 m=42 s=27
